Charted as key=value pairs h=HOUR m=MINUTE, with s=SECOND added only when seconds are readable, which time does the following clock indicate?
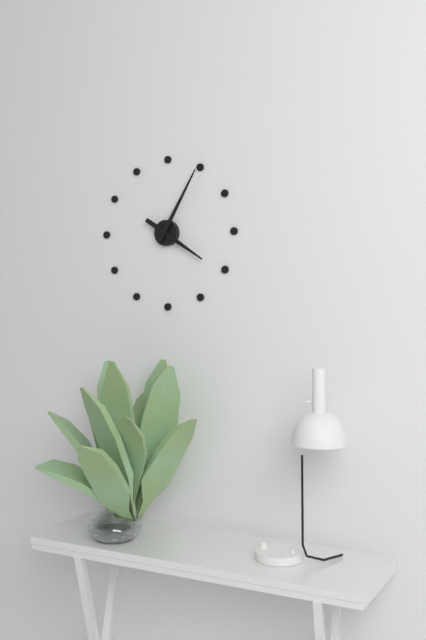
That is h=4 m=5
